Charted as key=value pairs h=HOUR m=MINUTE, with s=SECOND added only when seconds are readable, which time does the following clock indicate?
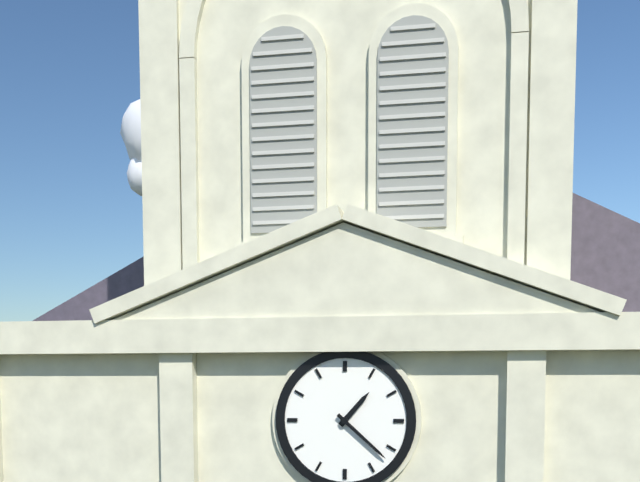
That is h=1 m=22
